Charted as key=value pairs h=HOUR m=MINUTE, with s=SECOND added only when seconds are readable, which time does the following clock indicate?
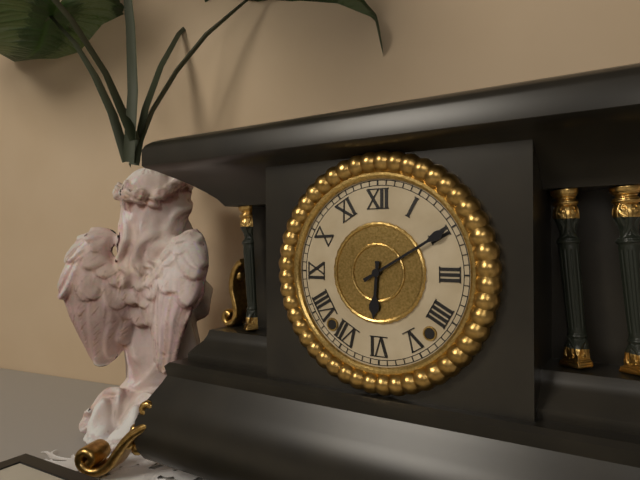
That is h=6 m=10
